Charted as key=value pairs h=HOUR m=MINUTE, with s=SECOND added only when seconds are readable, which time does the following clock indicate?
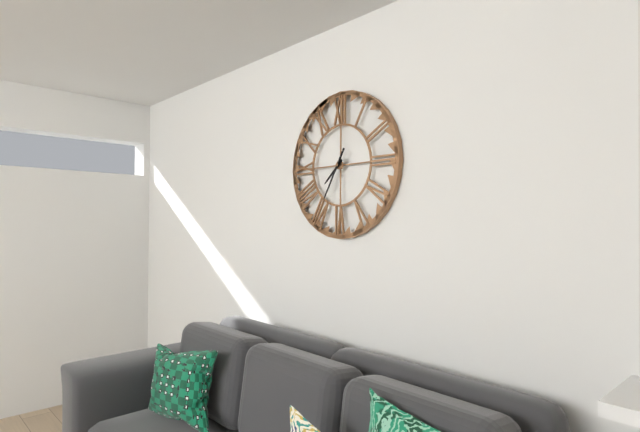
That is h=7 m=35
